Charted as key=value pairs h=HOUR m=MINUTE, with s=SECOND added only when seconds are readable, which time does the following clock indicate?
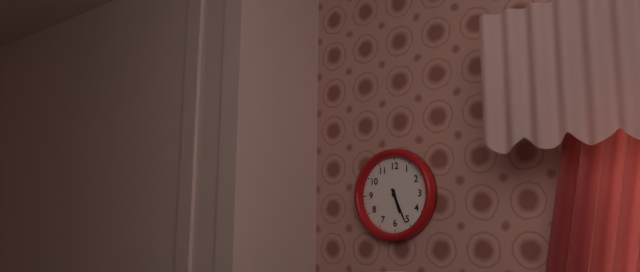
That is h=5 m=26
